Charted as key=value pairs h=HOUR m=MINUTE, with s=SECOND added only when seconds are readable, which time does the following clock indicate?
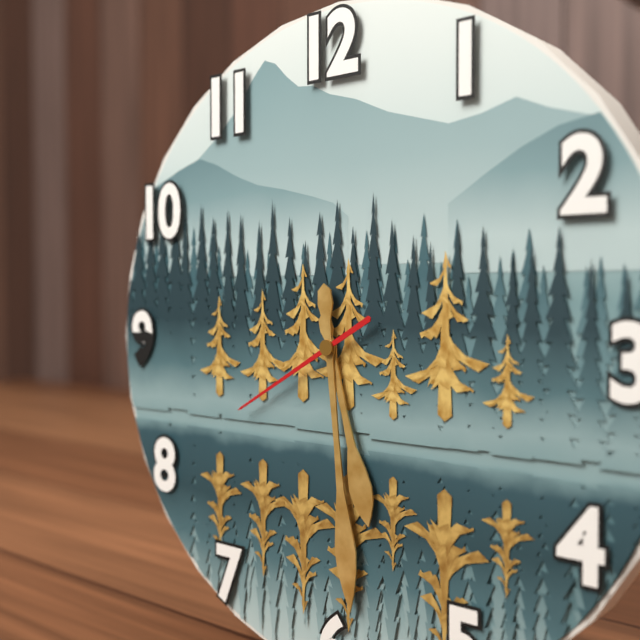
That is h=5 m=29 s=40
